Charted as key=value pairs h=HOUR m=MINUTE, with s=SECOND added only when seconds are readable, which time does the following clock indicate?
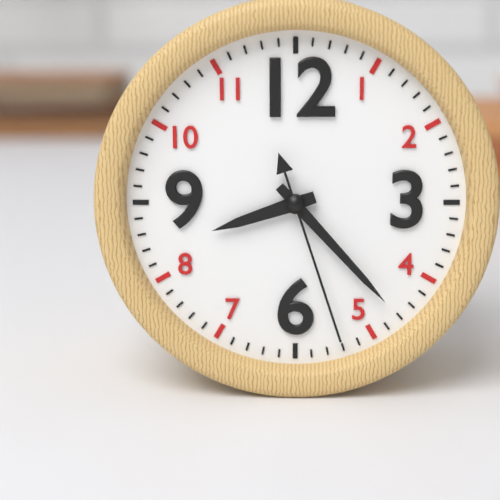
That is h=8 m=23 s=27
